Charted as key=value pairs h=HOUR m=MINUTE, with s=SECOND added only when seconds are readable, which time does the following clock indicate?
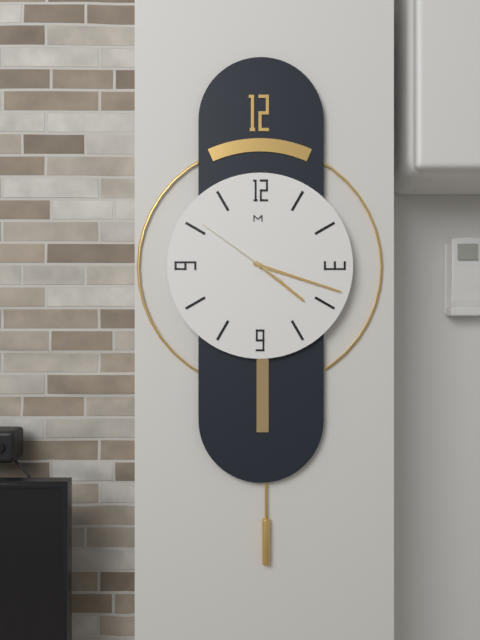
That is h=4 m=18 s=51
